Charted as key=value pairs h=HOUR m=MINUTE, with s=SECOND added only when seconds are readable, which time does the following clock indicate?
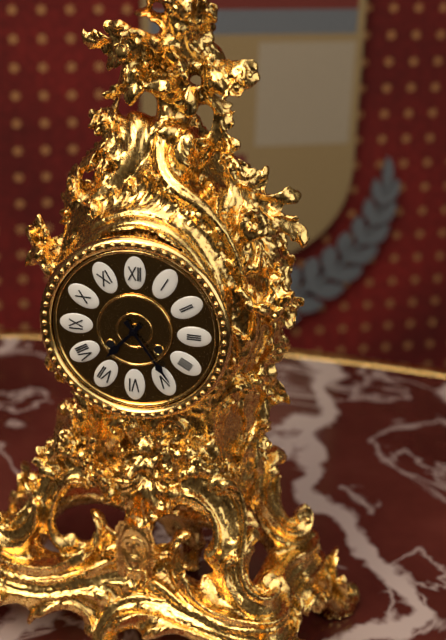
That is h=7 m=24
